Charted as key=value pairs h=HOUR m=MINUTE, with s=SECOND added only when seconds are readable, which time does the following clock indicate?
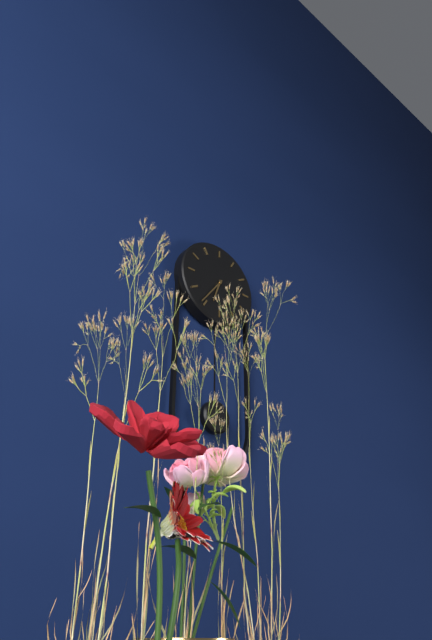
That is h=6 m=36
